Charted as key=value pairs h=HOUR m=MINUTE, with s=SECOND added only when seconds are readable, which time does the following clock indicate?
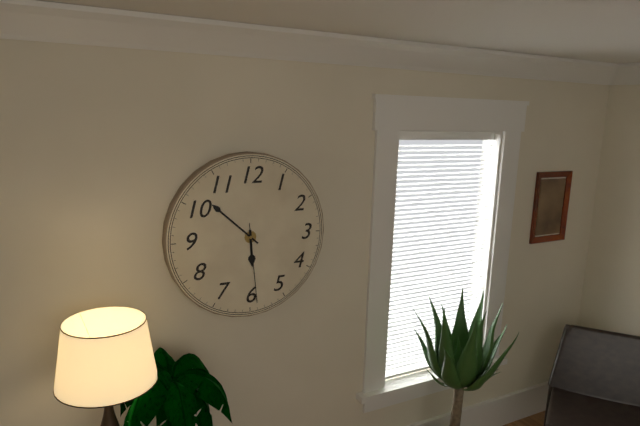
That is h=5 m=52 s=29
